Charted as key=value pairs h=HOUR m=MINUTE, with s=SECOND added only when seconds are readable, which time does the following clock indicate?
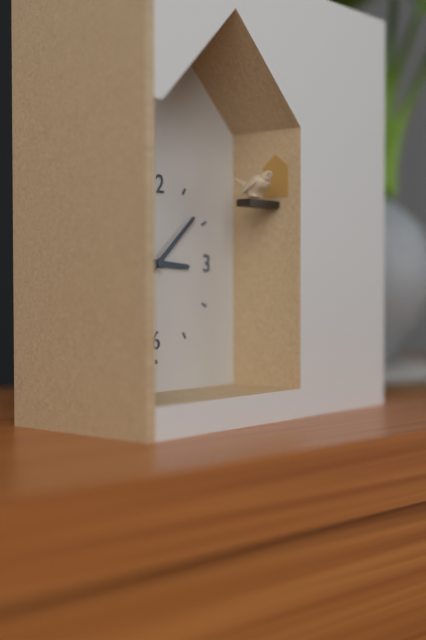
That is h=3 m=8
